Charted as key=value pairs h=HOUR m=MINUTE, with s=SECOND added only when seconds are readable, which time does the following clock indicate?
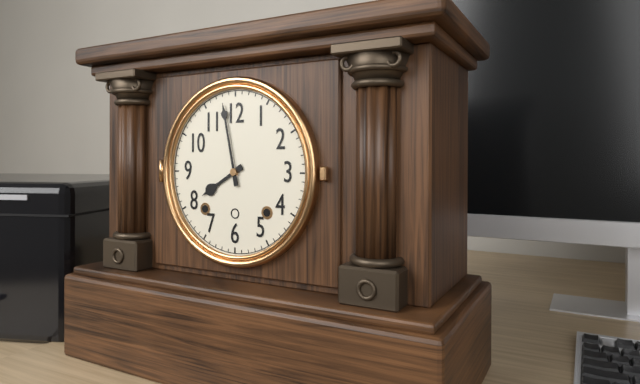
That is h=7 m=58
